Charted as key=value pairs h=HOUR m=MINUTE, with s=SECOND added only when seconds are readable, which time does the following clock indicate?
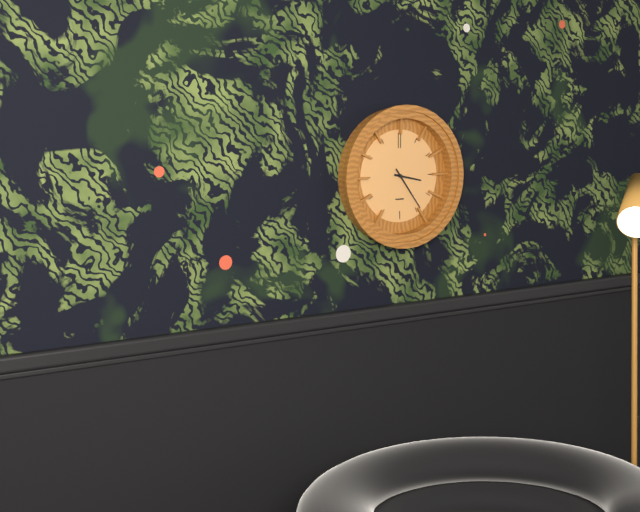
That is h=3 m=24
